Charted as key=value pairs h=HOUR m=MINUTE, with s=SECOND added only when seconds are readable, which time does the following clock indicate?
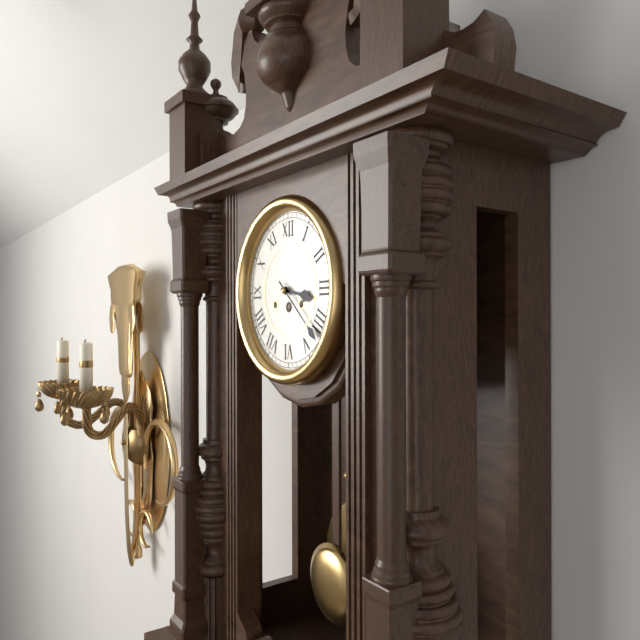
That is h=3 m=22
